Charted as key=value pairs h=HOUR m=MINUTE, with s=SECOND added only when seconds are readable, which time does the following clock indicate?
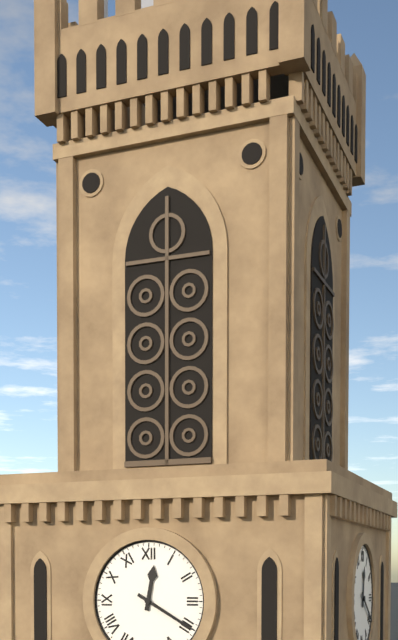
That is h=12 m=20
